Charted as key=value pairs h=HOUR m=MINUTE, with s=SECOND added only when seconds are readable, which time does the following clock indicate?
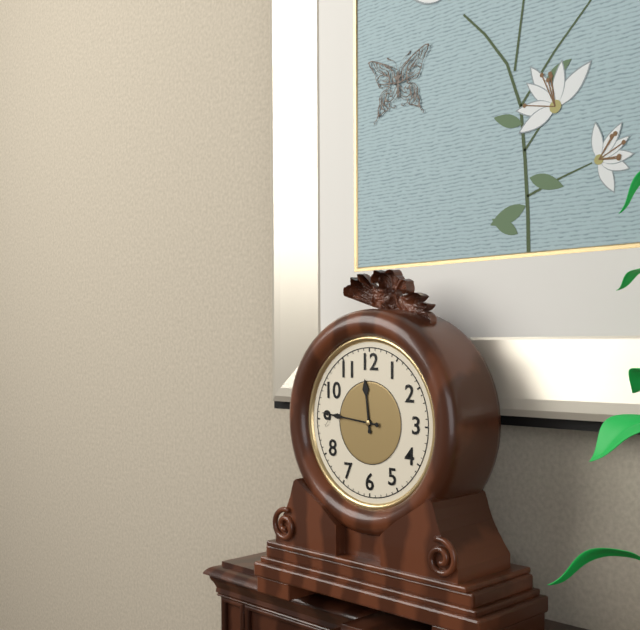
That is h=11 m=46
